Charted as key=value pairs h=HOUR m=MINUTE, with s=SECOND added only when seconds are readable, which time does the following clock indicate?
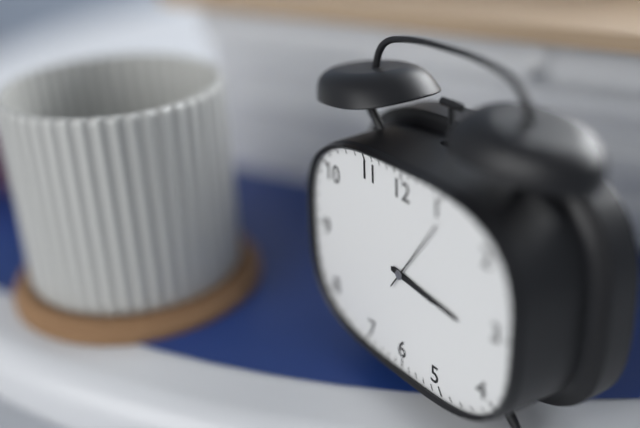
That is h=3 m=16 s=6
